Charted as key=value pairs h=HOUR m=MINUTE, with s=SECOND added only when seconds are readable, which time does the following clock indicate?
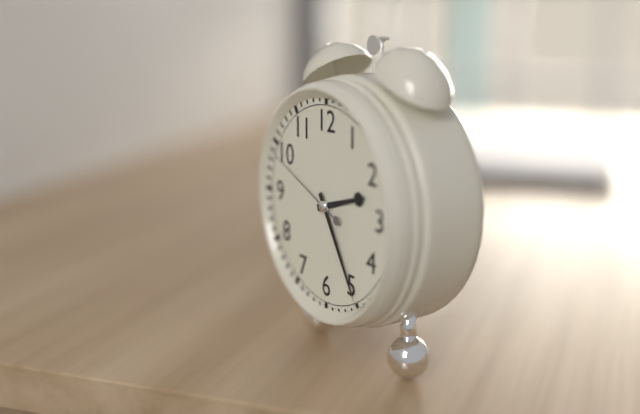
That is h=2 m=25 s=49
